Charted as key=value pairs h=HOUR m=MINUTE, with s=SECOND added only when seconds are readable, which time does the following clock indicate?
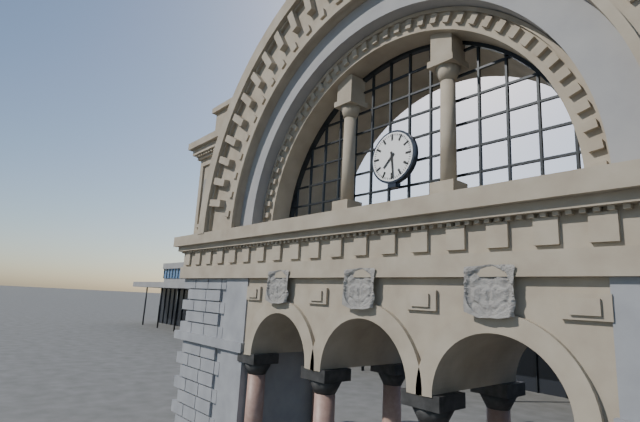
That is h=7 m=29
